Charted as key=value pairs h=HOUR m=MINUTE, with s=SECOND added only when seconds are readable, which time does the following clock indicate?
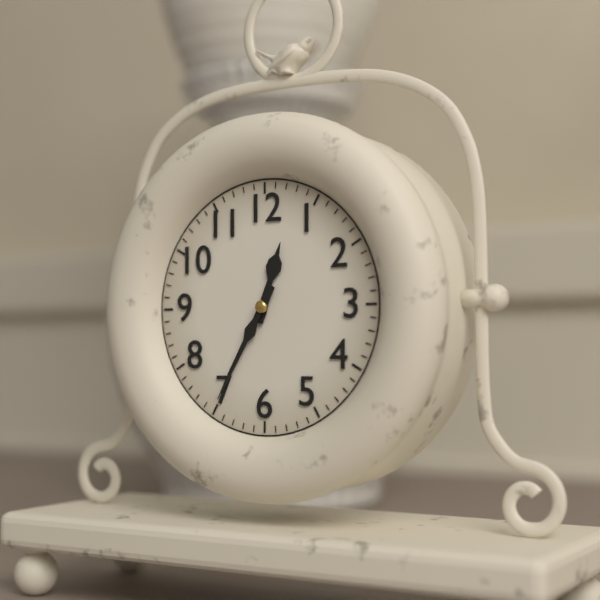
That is h=12 m=35
